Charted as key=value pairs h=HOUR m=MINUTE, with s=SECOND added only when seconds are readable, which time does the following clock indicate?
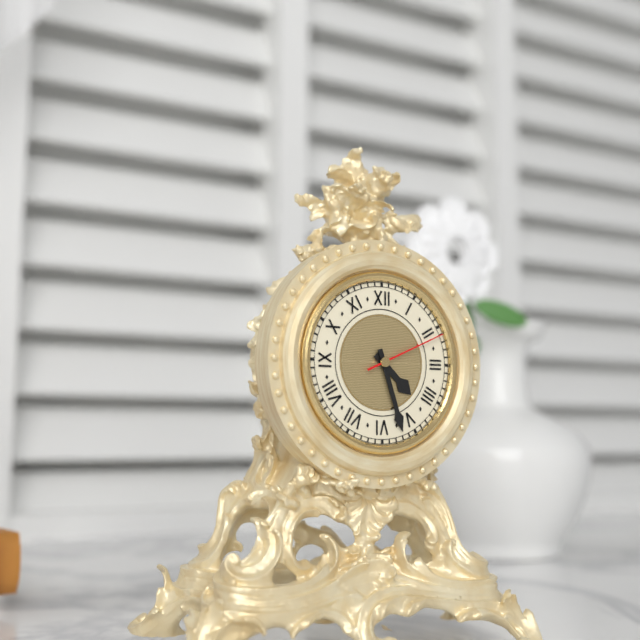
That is h=4 m=27 s=11
